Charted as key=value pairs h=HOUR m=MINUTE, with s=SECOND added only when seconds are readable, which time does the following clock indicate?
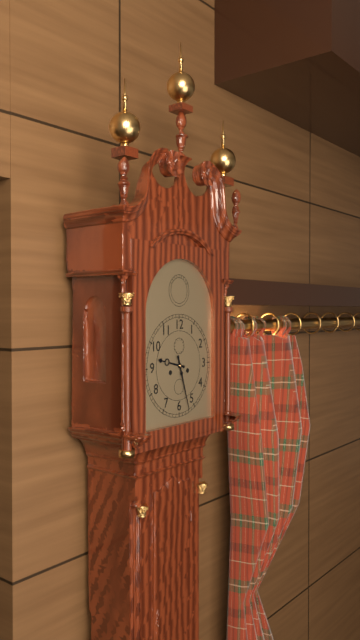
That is h=9 m=27
